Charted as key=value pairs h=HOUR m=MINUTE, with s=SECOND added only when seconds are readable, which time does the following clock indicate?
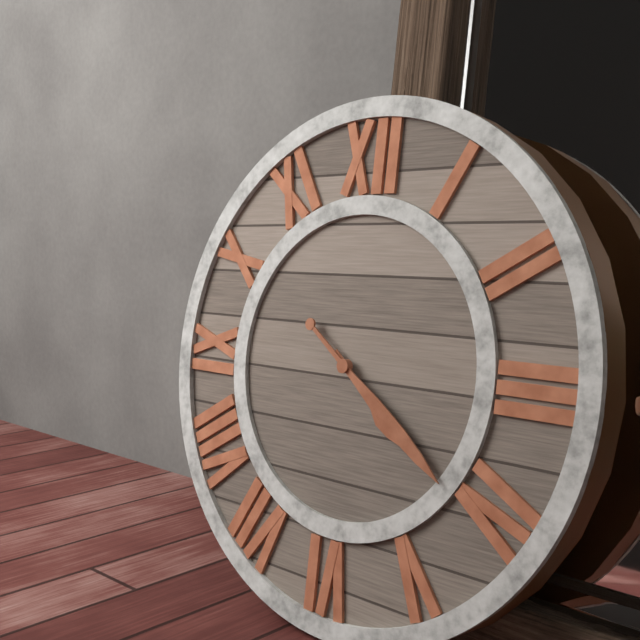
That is h=4 m=21
